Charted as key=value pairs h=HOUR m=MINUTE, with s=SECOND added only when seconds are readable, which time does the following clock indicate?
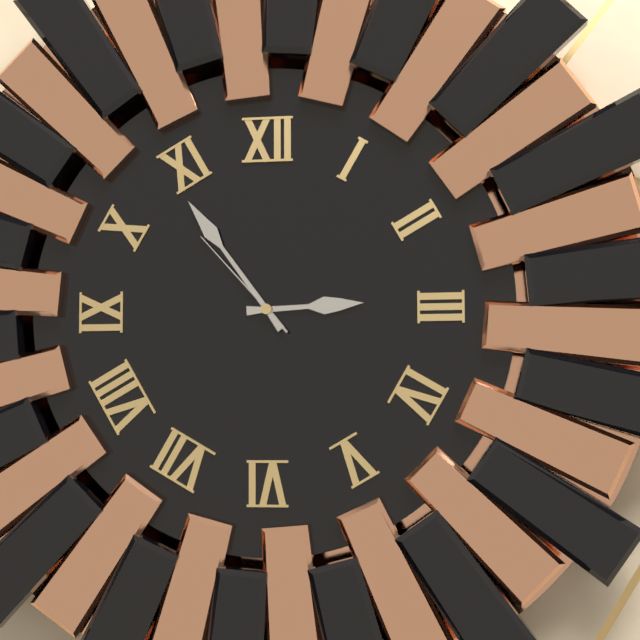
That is h=2 m=54 s=53
